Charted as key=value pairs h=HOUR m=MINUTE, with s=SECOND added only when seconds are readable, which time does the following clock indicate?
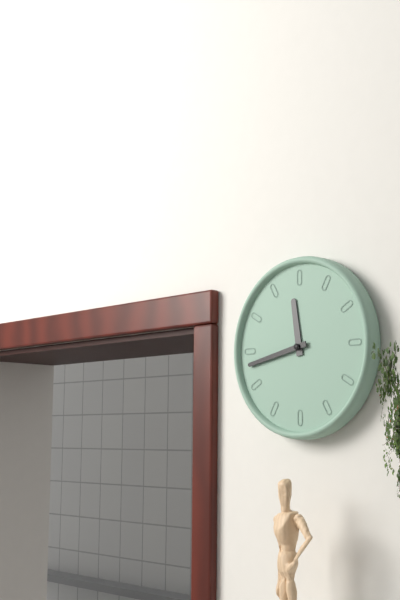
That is h=11 m=43
